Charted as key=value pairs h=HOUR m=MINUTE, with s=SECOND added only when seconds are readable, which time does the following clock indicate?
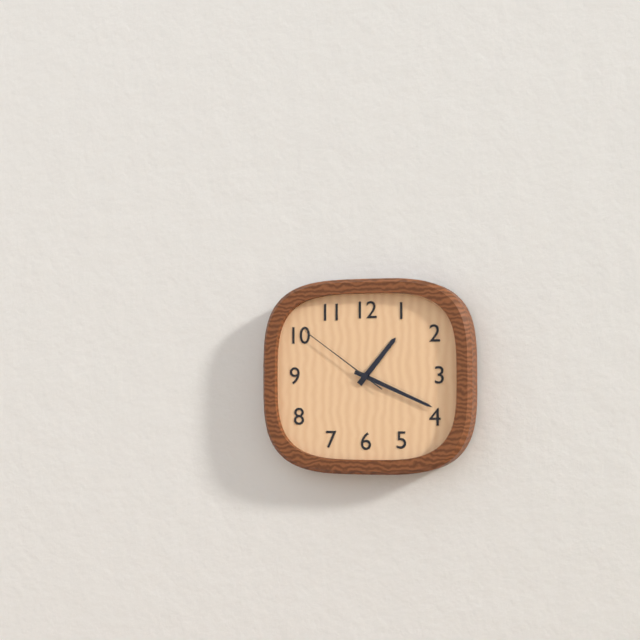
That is h=1 m=19 s=51
